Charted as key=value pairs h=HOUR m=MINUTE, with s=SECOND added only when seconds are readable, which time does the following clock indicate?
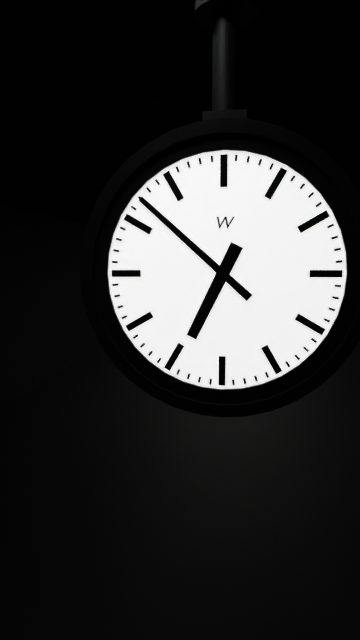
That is h=6 m=52
